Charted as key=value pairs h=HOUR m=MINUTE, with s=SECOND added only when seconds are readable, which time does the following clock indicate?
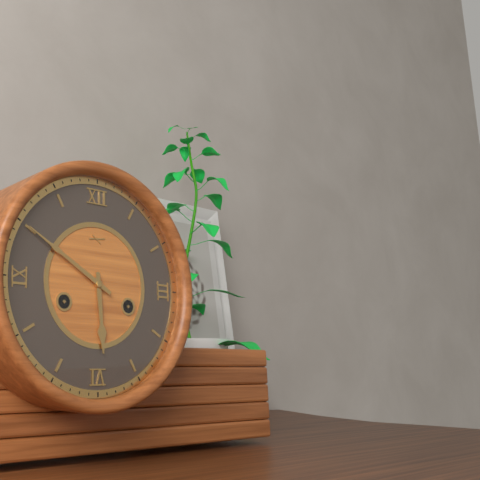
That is h=5 m=50
